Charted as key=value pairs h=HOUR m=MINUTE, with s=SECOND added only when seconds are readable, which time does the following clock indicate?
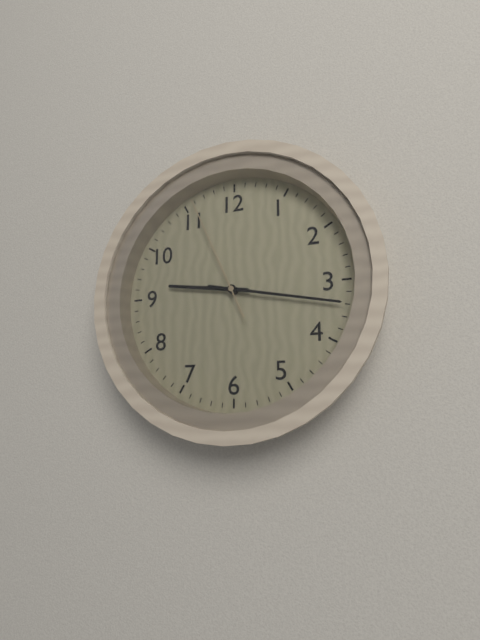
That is h=9 m=17 s=56
